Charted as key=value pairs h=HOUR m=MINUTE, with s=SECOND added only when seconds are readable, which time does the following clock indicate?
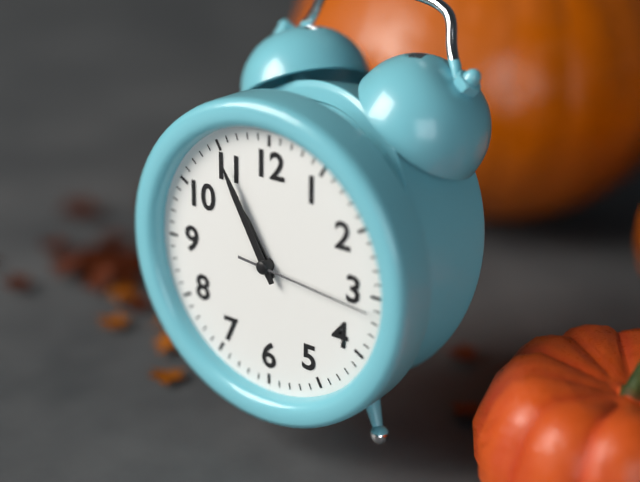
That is h=10 m=55 s=16
